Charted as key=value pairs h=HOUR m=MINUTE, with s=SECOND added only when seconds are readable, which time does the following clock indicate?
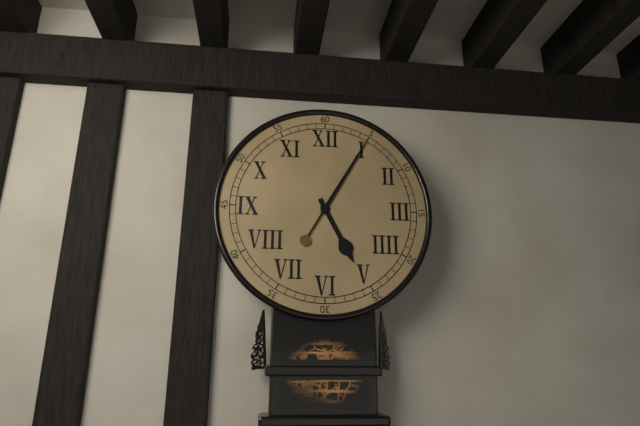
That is h=5 m=5
